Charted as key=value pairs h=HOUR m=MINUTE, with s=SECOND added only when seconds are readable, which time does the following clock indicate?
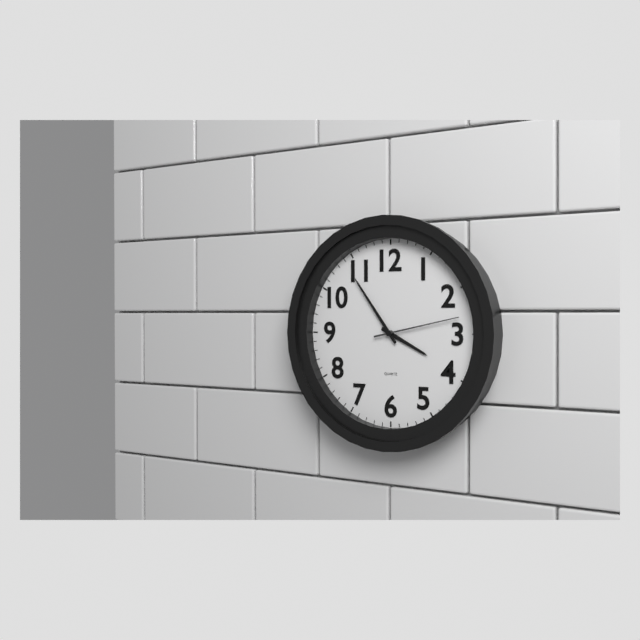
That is h=3 m=54 s=13
